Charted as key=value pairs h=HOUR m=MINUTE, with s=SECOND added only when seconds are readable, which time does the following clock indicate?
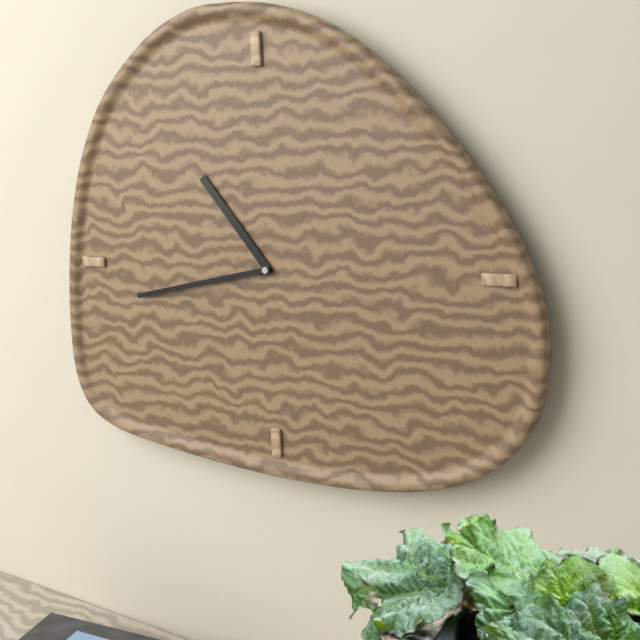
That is h=10 m=43
